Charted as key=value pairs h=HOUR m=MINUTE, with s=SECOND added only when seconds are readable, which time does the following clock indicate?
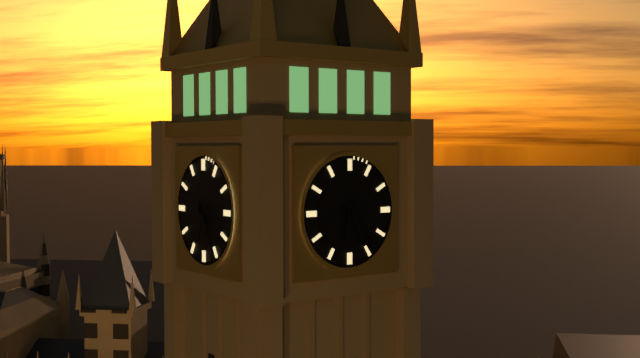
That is h=6 m=25
